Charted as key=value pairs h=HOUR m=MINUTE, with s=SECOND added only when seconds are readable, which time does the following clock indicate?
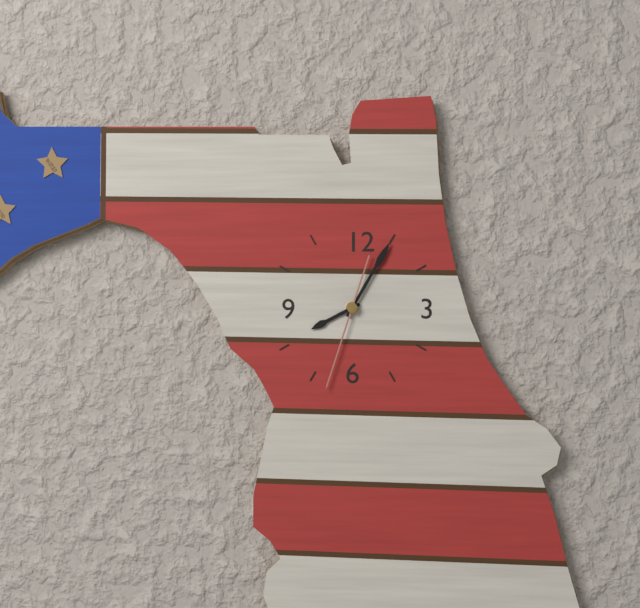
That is h=8 m=5 s=33
